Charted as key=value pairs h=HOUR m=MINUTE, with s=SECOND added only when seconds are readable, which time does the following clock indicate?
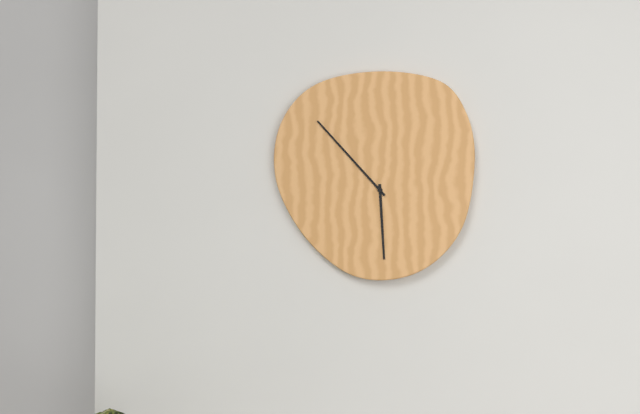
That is h=5 m=53
